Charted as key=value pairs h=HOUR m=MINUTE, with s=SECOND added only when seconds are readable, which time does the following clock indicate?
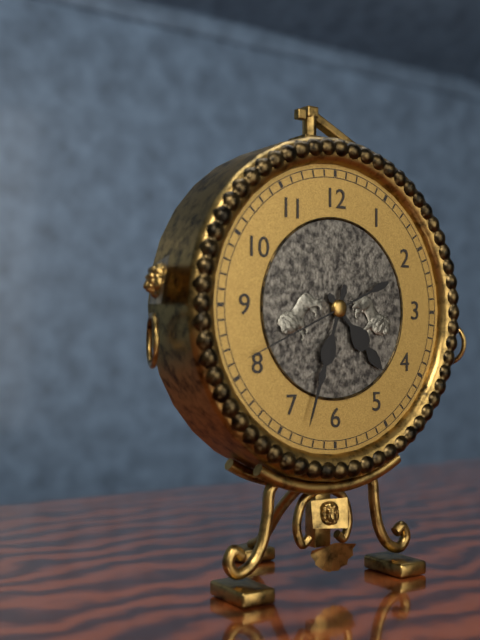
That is h=4 m=33 s=41
